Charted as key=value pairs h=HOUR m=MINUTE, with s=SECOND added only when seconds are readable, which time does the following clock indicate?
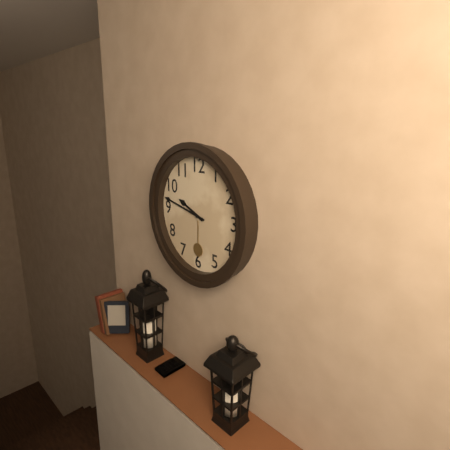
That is h=9 m=47
